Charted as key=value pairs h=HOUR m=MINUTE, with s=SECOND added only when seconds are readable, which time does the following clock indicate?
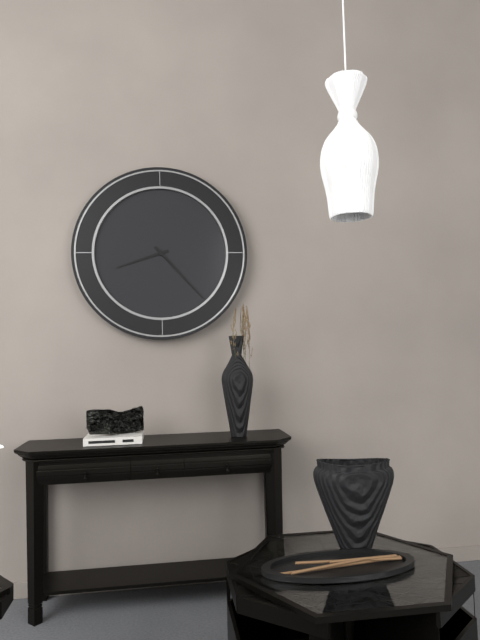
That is h=8 m=23
